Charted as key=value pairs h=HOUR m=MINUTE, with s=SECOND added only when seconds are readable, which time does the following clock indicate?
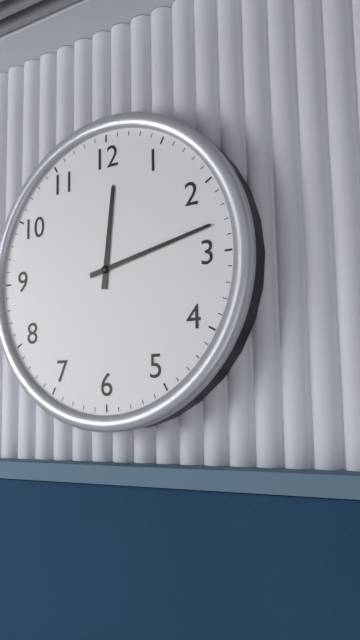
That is h=12 m=13
